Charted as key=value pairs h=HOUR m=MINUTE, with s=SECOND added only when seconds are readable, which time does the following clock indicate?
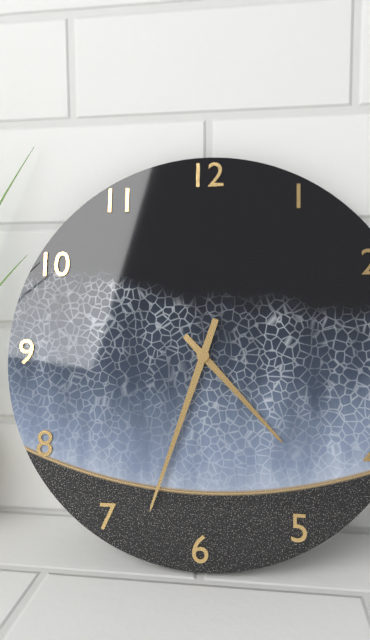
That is h=4 m=33
